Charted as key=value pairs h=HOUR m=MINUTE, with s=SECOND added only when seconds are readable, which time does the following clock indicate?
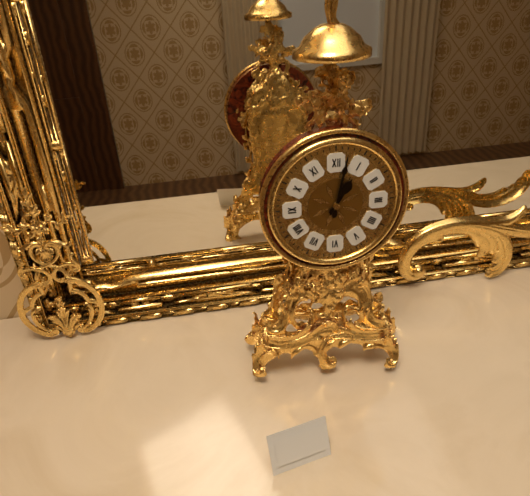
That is h=1 m=2
